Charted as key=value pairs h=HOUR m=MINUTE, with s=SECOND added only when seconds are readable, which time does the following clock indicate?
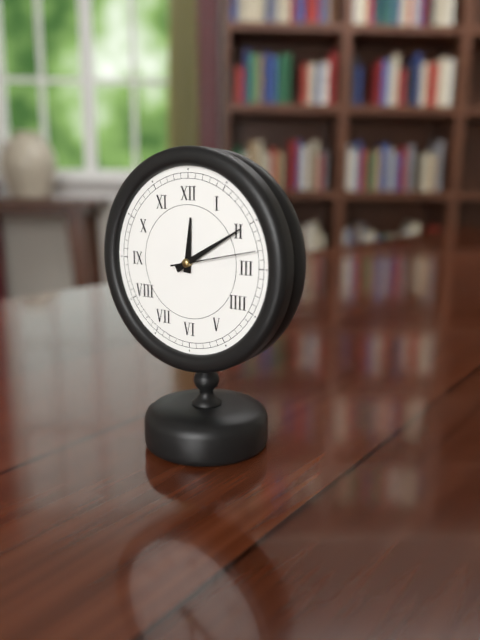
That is h=12 m=10 s=13
